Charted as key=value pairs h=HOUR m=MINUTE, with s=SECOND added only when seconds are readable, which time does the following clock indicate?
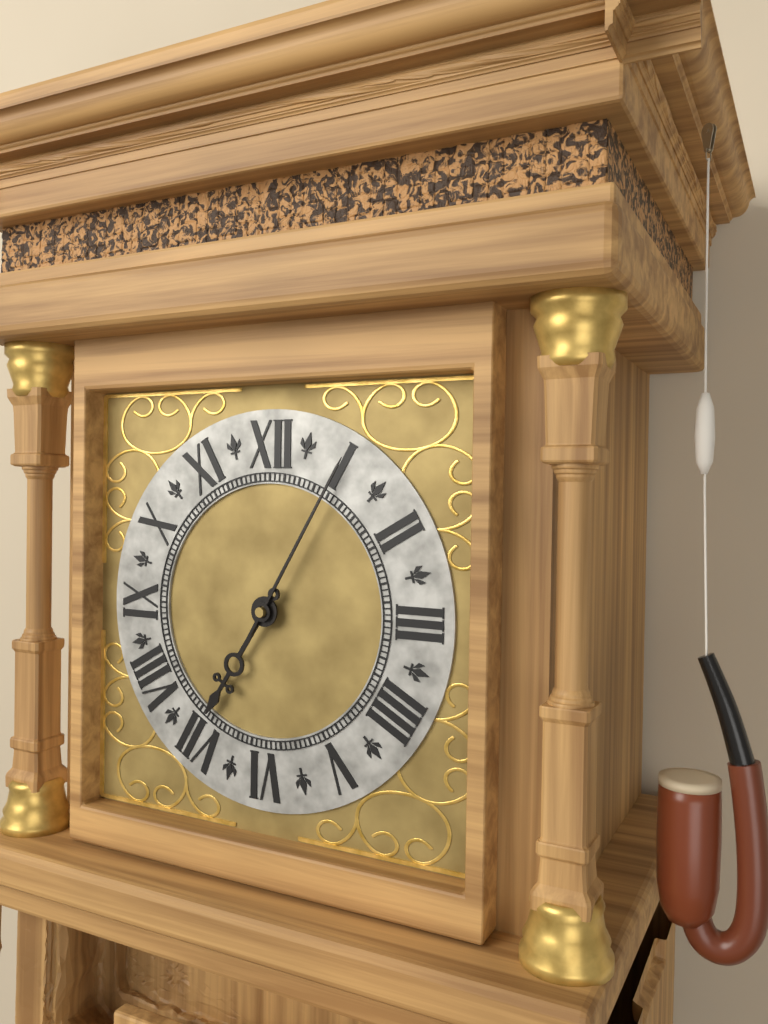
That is h=7 m=5
